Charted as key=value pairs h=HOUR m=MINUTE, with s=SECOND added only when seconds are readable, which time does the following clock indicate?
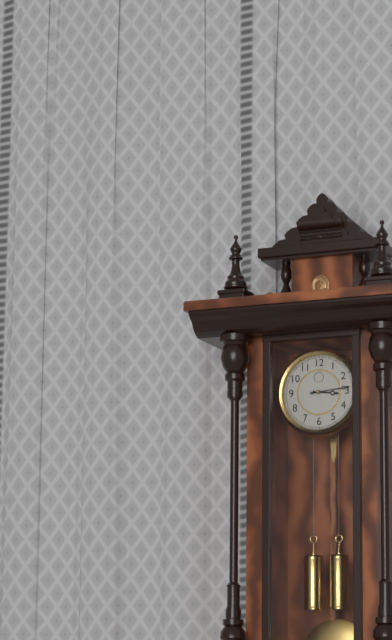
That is h=3 m=14
